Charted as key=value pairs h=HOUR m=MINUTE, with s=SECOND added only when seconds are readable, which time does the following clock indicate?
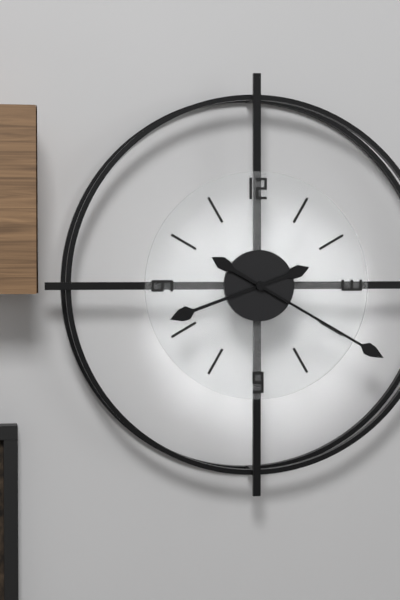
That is h=8 m=20
